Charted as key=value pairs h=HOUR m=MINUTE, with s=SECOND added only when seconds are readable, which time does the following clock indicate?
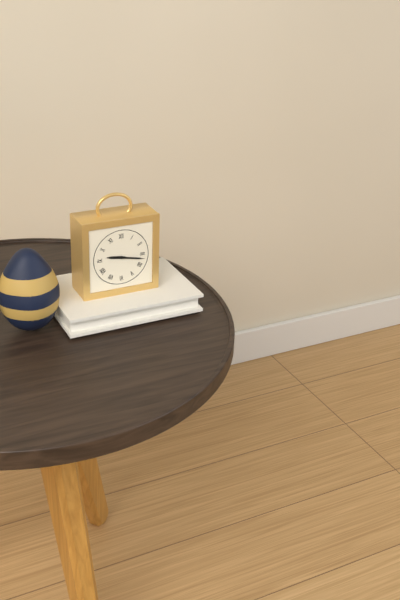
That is h=9 m=17
